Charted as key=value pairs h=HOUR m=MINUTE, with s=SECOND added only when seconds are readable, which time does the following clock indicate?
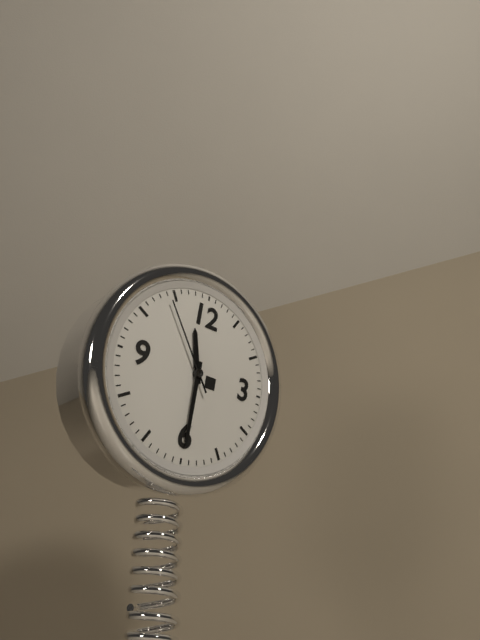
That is h=11 m=30 s=54
